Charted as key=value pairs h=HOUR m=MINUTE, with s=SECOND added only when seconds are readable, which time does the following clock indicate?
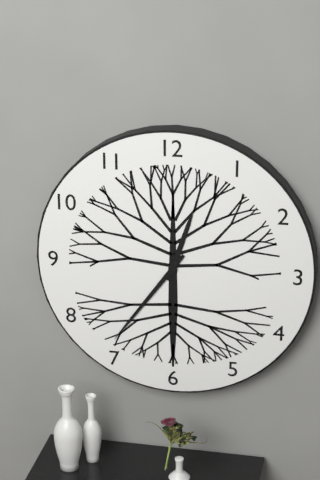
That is h=12 m=36
